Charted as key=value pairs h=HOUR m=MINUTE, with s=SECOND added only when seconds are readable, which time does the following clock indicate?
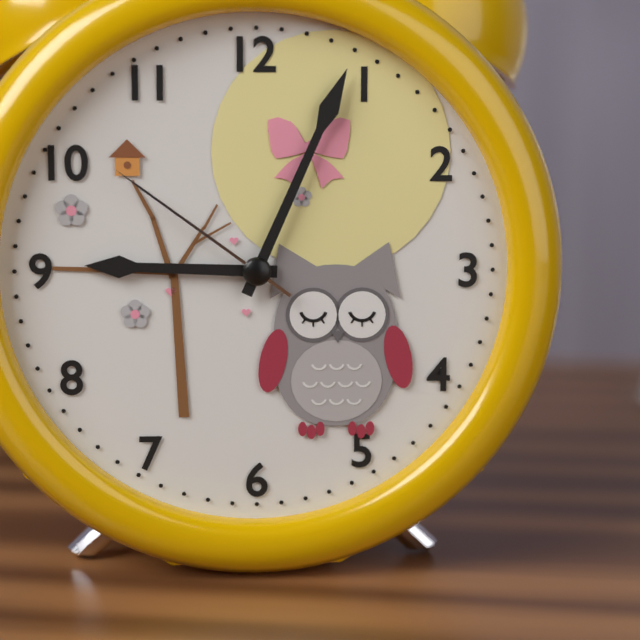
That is h=9 m=4 s=51
